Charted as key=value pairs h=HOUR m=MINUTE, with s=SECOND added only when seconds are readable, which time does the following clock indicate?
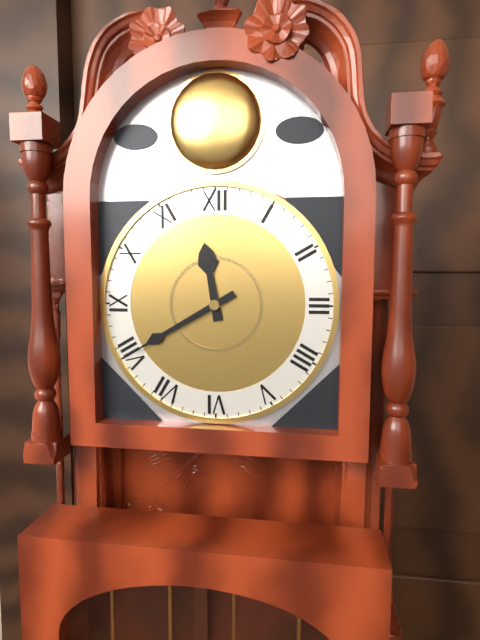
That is h=11 m=40
